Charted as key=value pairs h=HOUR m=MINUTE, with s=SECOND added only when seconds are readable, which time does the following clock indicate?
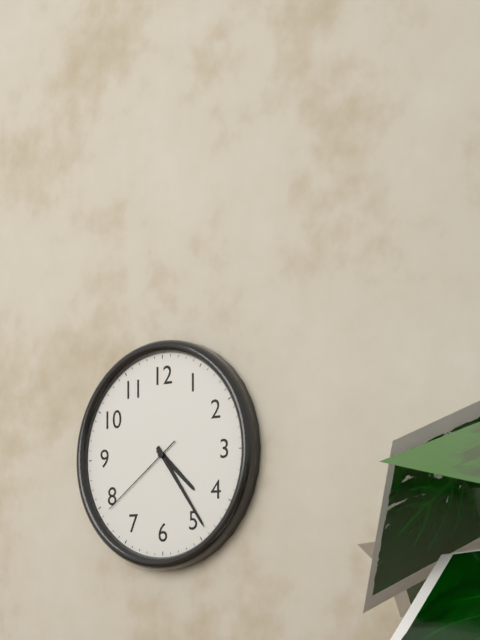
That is h=4 m=24 s=39
